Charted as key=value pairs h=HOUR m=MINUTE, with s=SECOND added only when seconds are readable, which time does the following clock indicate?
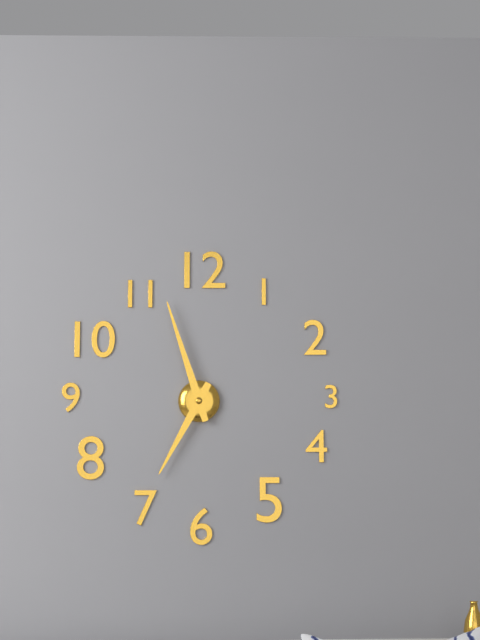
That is h=6 m=57
